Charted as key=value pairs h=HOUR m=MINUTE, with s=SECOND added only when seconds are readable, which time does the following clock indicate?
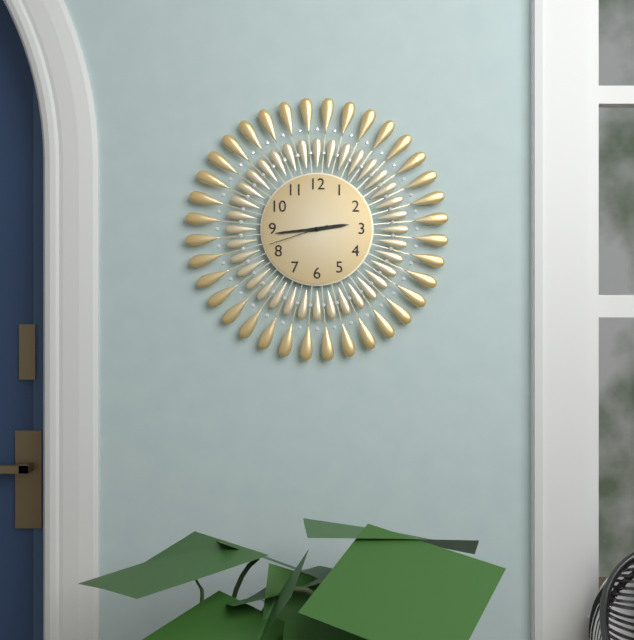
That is h=2 m=44 s=42
